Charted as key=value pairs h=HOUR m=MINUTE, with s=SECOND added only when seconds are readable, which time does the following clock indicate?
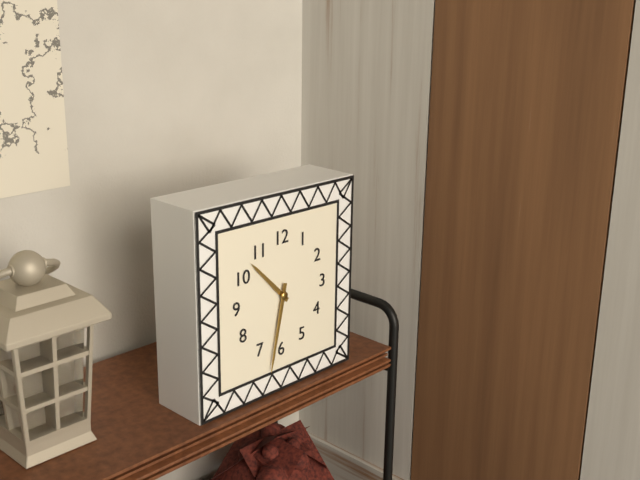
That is h=10 m=32
